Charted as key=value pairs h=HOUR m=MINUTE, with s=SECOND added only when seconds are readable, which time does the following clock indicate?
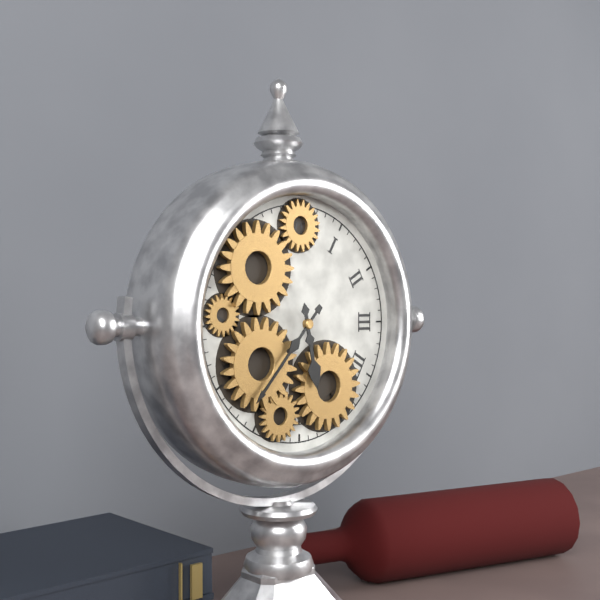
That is h=5 m=37
